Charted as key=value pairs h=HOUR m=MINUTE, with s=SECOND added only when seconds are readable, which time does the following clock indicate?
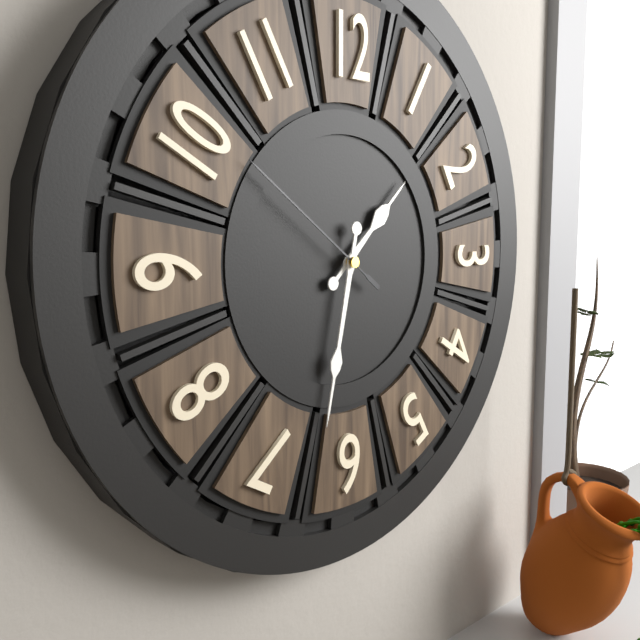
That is h=1 m=32 s=51
